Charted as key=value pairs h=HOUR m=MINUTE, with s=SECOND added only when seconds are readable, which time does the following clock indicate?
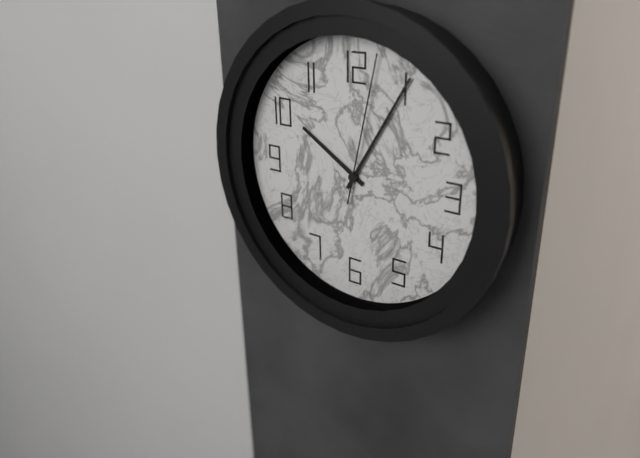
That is h=10 m=5 s=2
